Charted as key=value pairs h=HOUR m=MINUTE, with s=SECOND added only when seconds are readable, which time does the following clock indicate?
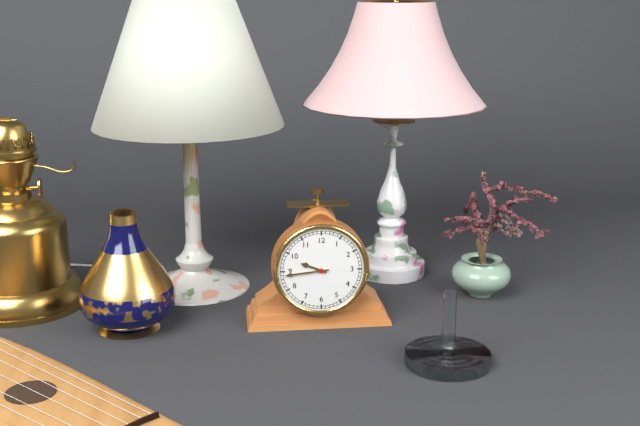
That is h=9 m=44
